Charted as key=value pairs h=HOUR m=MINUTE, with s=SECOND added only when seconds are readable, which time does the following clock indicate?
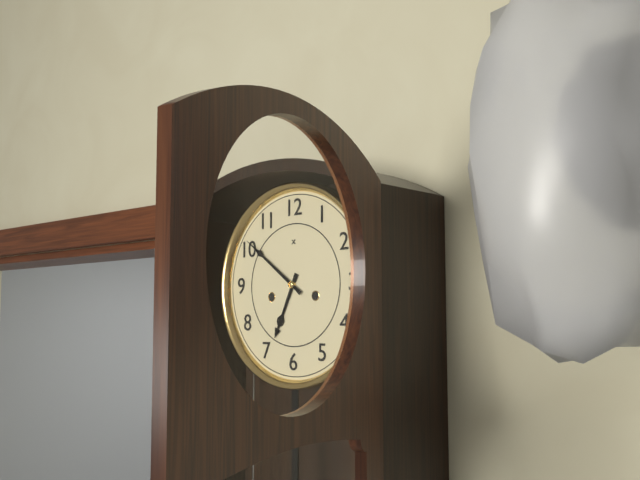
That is h=6 m=51
